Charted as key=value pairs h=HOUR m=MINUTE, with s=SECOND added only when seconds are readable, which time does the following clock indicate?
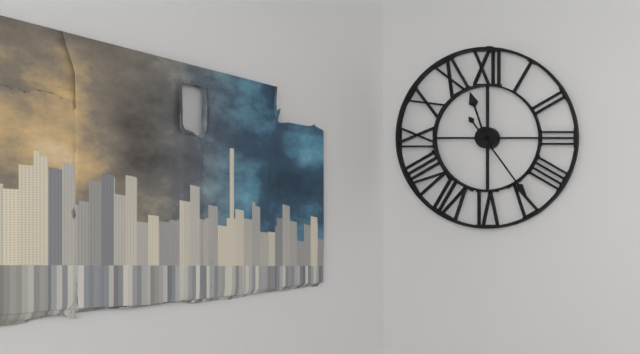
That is h=11 m=24
